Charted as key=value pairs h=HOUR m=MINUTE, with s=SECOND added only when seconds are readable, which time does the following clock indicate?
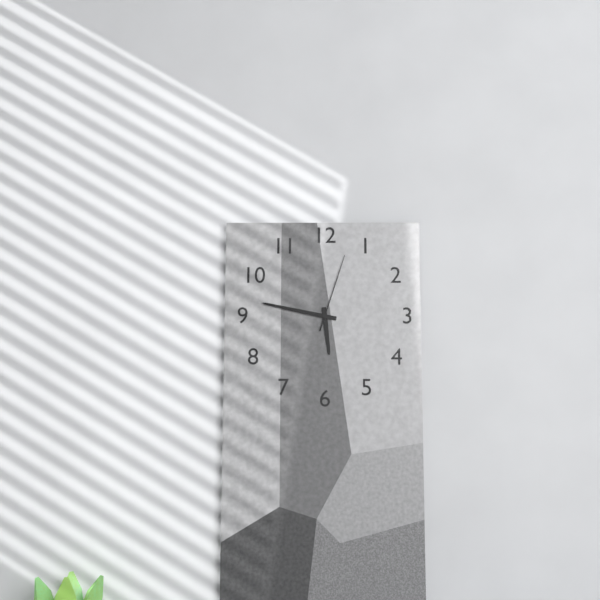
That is h=5 m=47 s=3
